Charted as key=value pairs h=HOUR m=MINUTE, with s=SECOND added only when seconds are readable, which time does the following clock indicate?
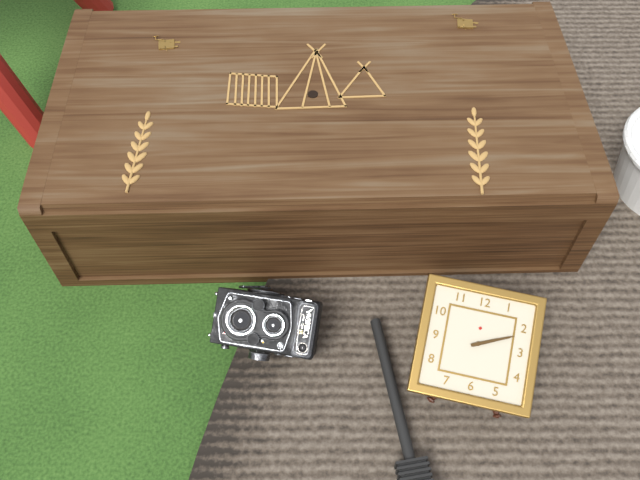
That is h=2 m=11
